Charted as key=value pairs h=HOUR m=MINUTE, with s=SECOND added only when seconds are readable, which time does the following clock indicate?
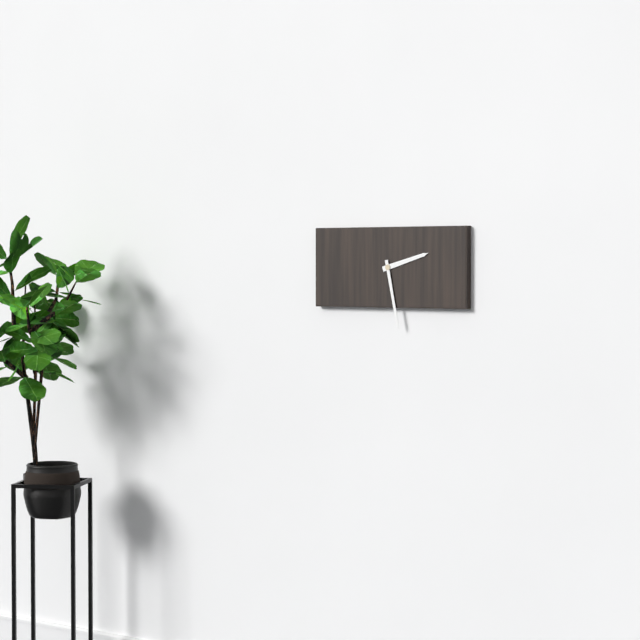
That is h=2 m=28
